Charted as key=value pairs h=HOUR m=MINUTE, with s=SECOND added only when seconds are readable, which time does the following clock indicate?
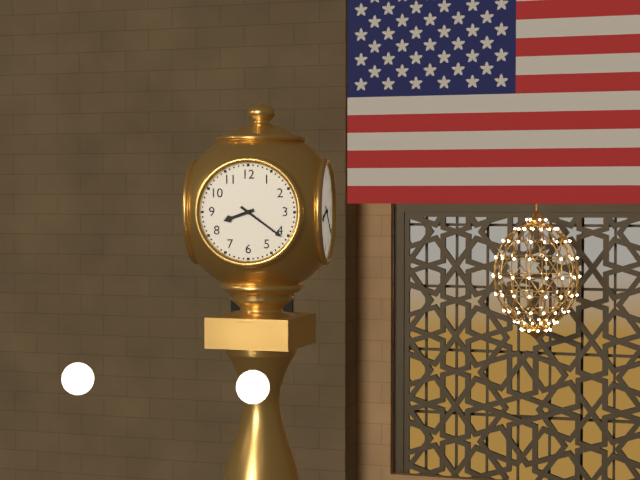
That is h=8 m=21
